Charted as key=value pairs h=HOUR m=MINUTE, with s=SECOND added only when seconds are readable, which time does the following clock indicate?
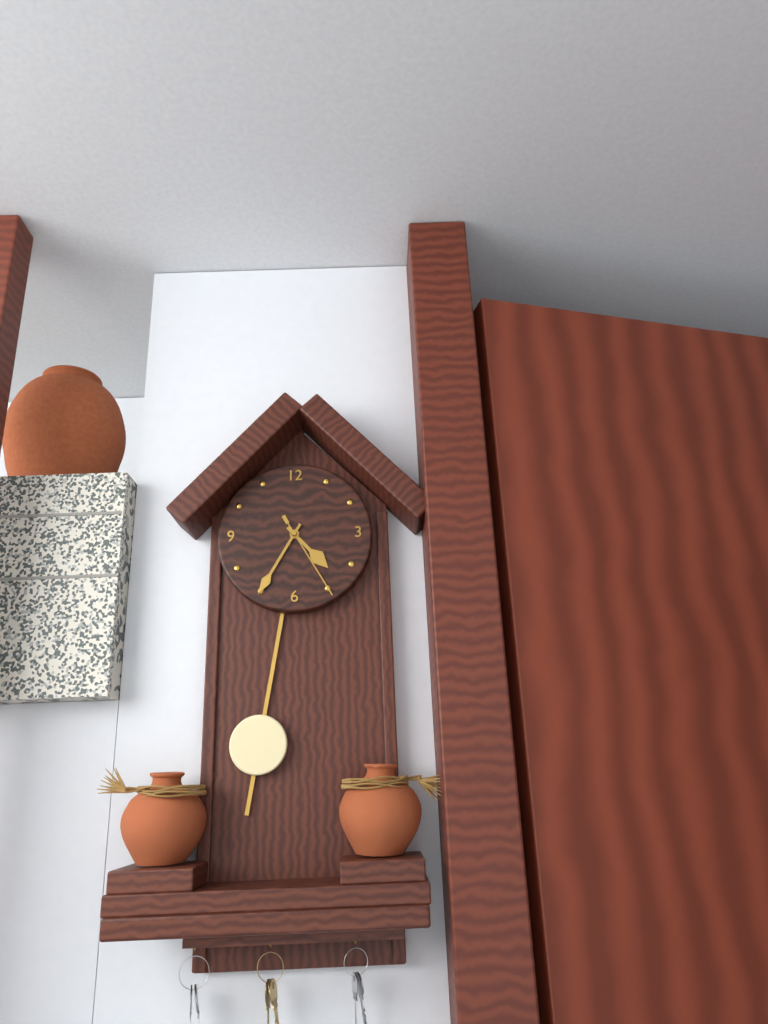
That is h=4 m=35 s=25
